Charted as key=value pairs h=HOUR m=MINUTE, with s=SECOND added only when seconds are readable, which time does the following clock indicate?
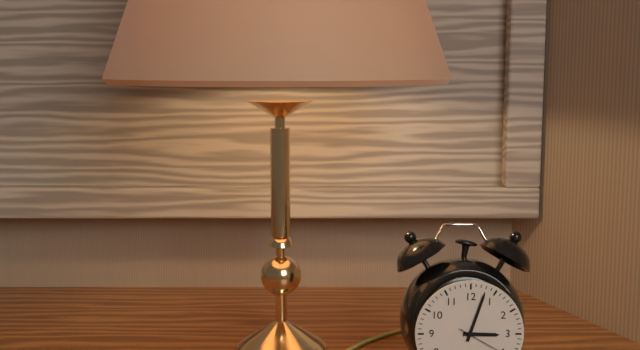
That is h=3 m=3
